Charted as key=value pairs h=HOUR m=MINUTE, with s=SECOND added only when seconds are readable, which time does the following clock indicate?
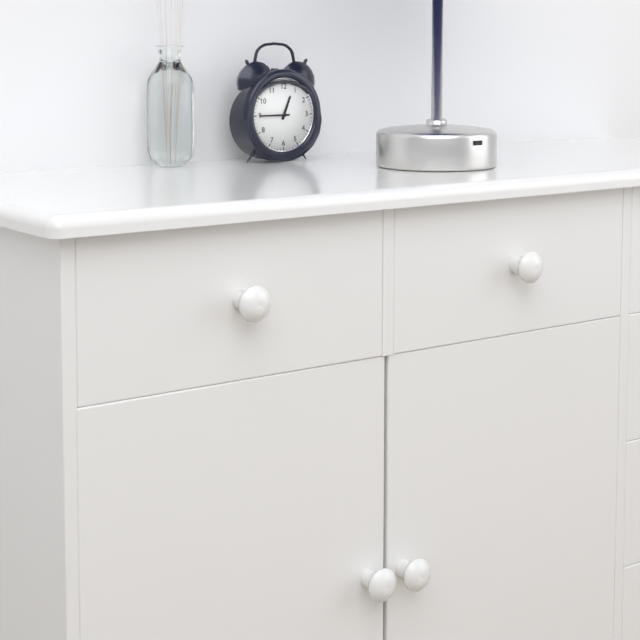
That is h=12 m=45
